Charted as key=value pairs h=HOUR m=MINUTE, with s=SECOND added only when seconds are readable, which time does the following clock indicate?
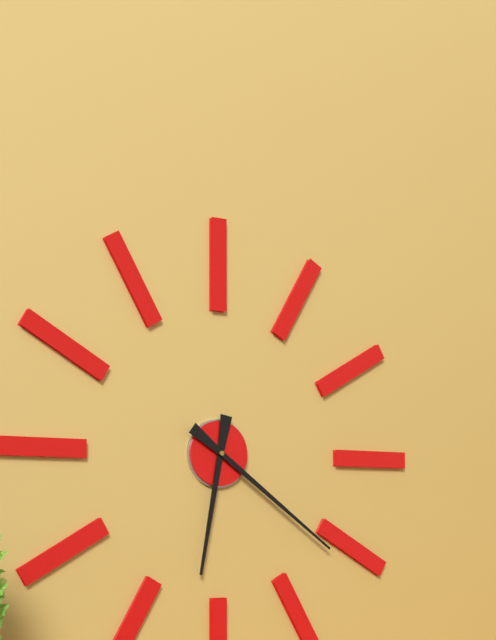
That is h=6 m=21
